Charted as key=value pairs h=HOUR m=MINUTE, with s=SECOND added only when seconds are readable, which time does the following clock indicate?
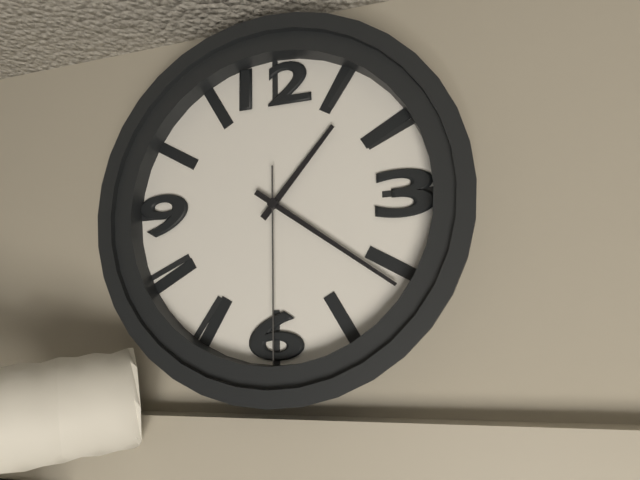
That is h=1 m=21 s=30
